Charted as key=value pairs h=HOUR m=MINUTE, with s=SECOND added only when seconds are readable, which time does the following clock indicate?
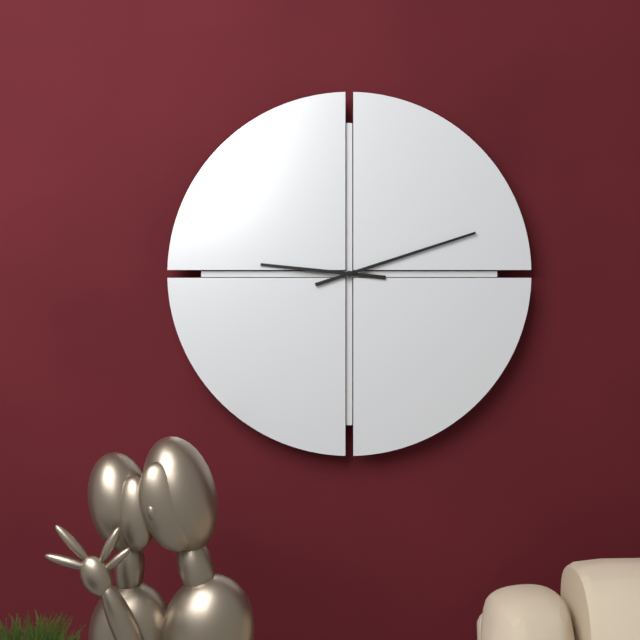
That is h=9 m=12
